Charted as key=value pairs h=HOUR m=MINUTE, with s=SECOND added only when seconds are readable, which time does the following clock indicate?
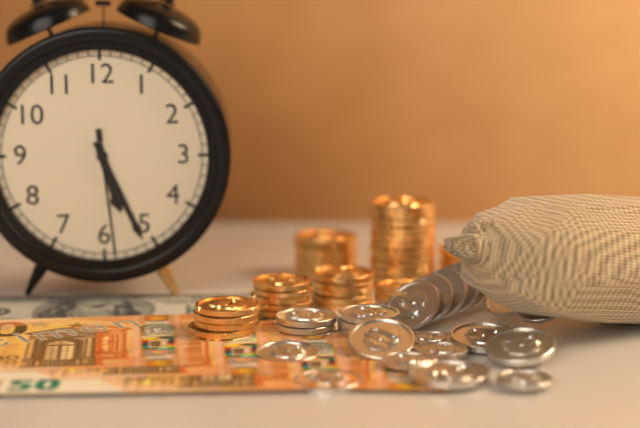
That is h=5 m=26 s=29
